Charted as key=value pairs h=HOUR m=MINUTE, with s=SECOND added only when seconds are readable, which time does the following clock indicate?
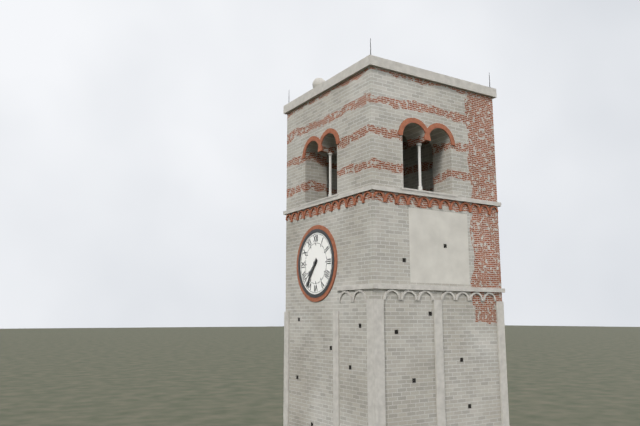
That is h=7 m=36
